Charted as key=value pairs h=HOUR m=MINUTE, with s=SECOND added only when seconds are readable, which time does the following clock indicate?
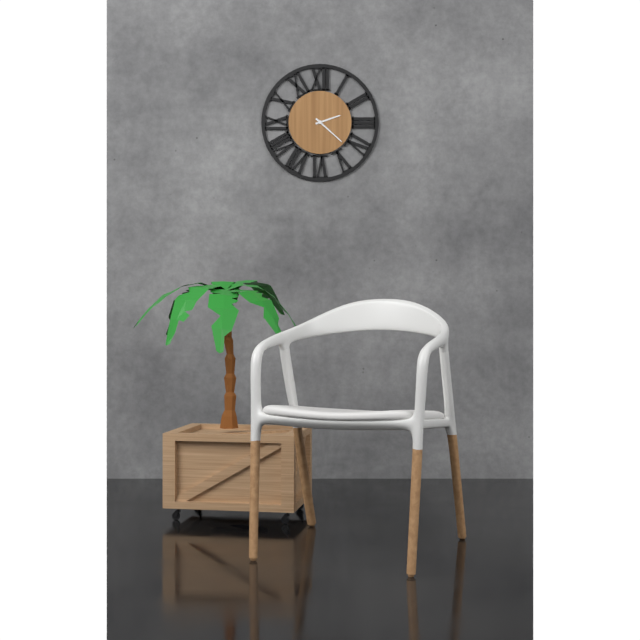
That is h=2 m=22
